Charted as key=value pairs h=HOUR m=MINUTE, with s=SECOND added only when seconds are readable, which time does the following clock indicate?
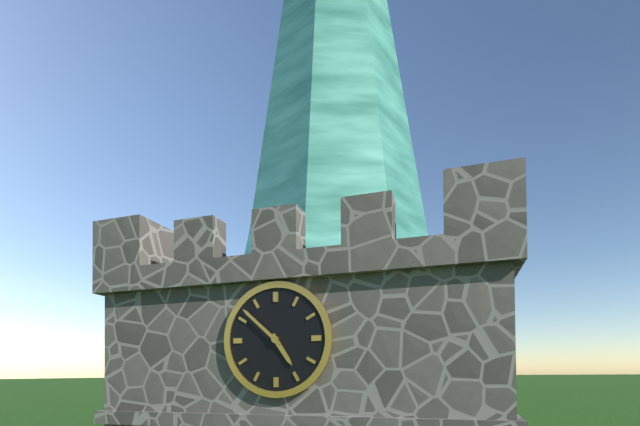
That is h=4 m=52
